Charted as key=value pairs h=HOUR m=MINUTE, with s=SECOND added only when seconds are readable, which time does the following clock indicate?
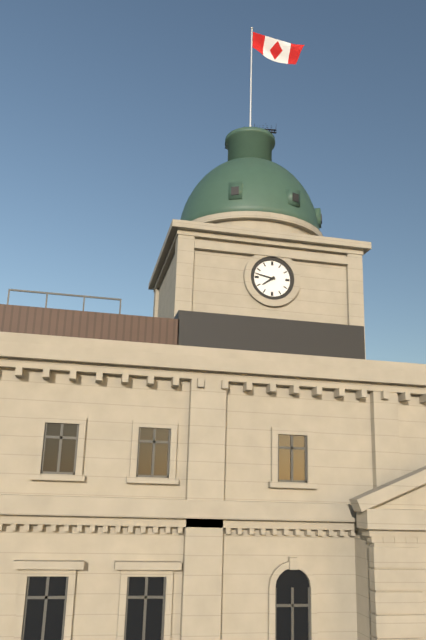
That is h=7 m=47
